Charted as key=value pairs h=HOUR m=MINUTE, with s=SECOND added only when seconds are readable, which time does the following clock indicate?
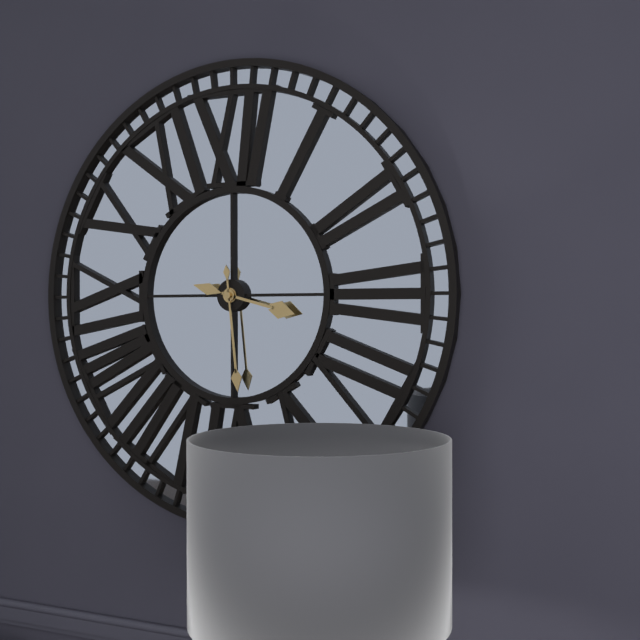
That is h=3 m=29
